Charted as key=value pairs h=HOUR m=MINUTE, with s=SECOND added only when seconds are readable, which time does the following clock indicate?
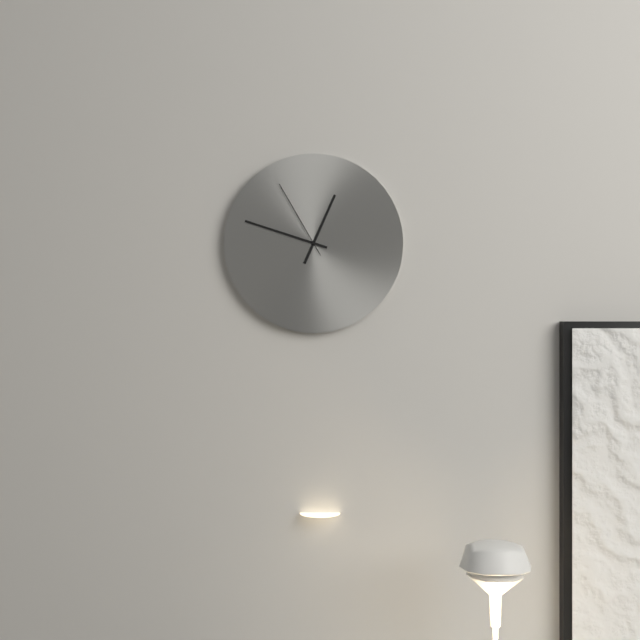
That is h=12 m=48 s=55
